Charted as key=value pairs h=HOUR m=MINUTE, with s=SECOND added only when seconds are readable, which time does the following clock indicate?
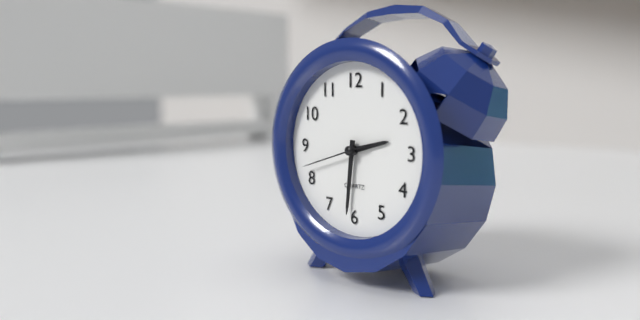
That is h=2 m=31 s=42
